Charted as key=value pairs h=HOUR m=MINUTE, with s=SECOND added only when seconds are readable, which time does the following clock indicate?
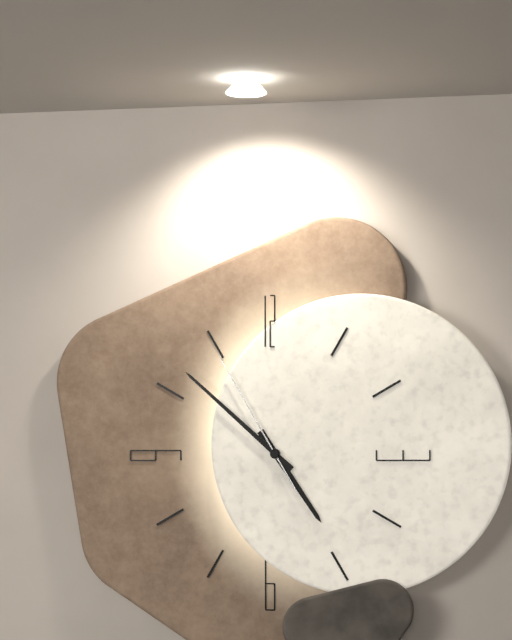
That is h=4 m=52 s=55
